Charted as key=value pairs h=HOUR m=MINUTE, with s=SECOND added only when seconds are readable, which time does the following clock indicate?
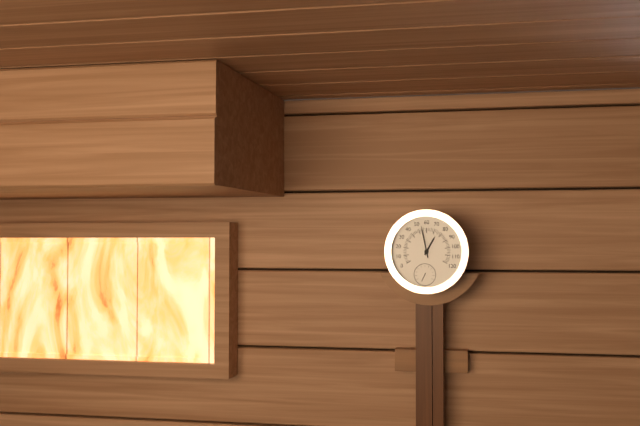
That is h=12 m=58
